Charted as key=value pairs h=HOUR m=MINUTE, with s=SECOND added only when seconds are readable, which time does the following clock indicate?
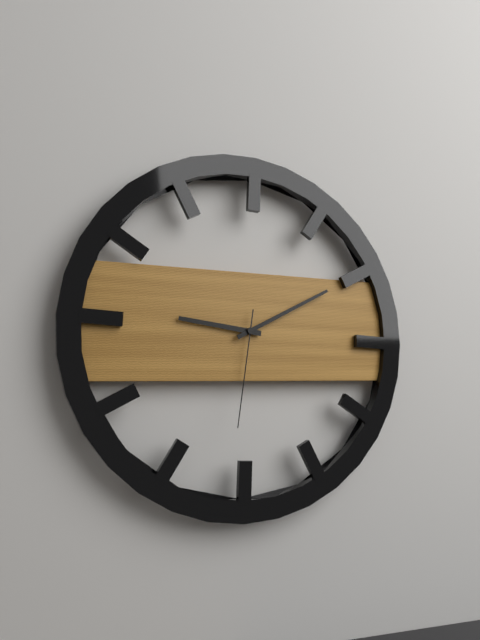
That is h=9 m=10 s=31
